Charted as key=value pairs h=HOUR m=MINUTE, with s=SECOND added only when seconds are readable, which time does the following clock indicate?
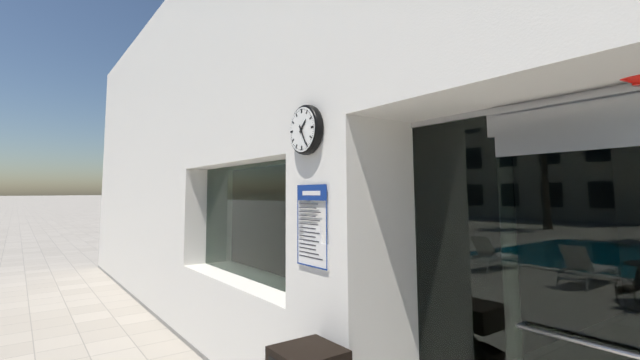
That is h=1 m=25
